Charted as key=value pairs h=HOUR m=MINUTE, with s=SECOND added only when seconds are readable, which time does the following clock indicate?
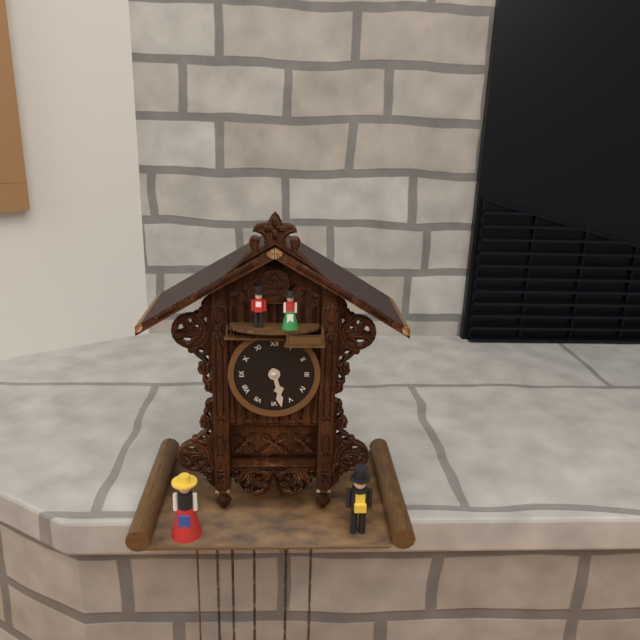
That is h=5 m=28
